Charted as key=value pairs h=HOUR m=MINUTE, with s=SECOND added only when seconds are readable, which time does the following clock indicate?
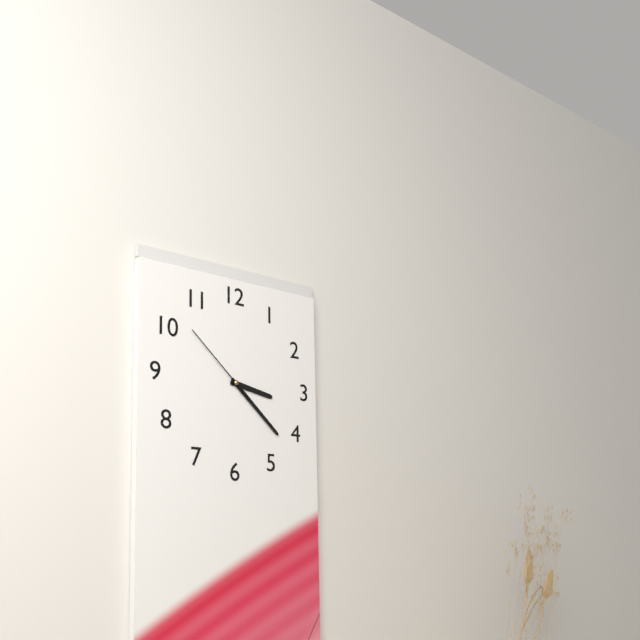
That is h=3 m=22 s=52
